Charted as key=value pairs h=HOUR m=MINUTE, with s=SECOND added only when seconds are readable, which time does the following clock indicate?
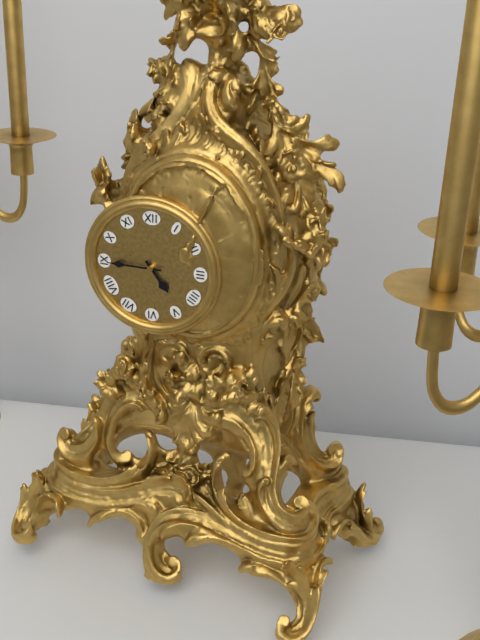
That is h=4 m=45
